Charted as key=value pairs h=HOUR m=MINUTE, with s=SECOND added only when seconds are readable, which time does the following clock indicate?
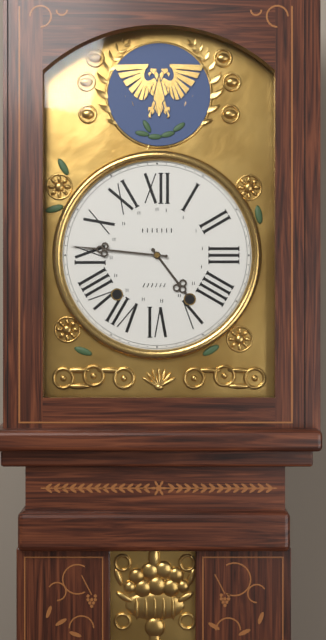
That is h=4 m=46
